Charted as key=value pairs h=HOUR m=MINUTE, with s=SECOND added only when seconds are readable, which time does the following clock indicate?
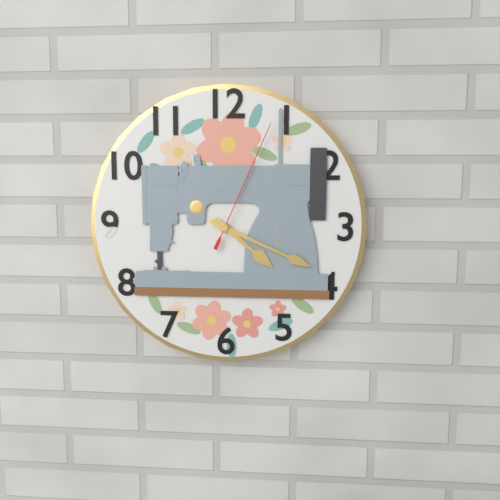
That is h=4 m=19 s=4
